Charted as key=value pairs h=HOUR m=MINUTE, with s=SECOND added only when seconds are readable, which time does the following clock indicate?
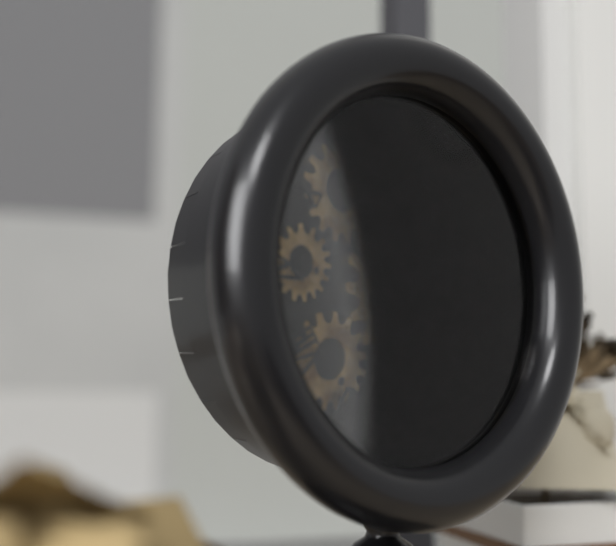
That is h=5 m=4
